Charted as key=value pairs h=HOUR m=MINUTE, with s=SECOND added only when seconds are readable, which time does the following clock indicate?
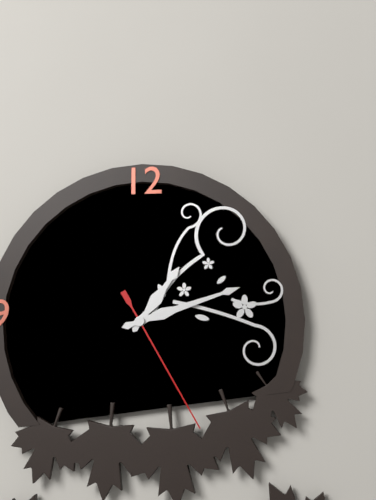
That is h=1 m=12 s=25
